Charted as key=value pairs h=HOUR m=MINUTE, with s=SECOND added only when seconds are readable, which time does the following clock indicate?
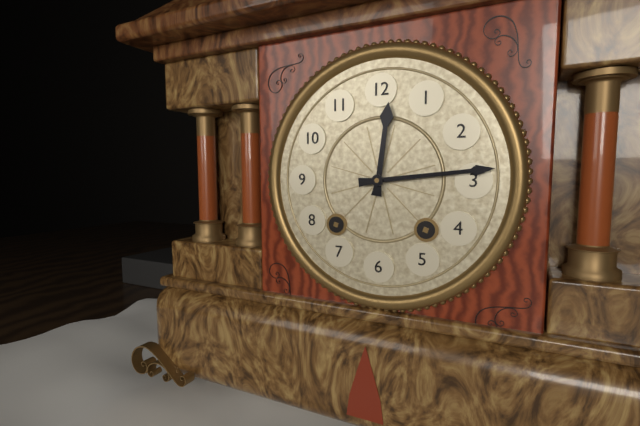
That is h=12 m=14
